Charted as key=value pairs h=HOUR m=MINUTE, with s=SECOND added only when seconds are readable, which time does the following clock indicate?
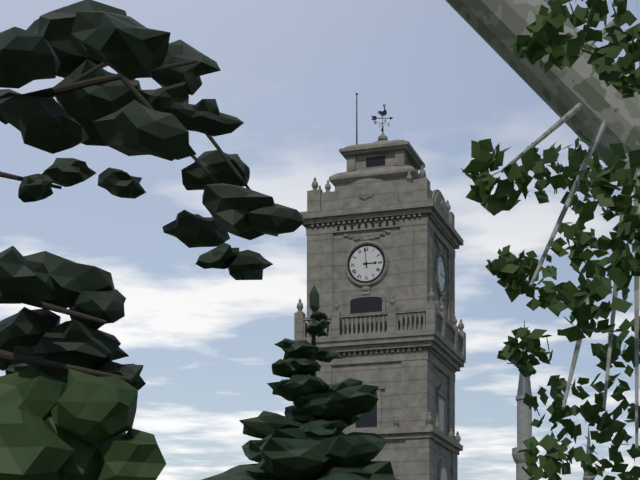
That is h=2 m=59
